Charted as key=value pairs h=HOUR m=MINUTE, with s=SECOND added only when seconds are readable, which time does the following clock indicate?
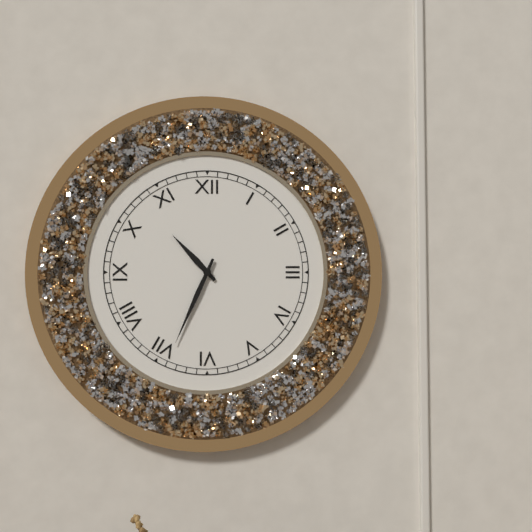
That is h=10 m=34
